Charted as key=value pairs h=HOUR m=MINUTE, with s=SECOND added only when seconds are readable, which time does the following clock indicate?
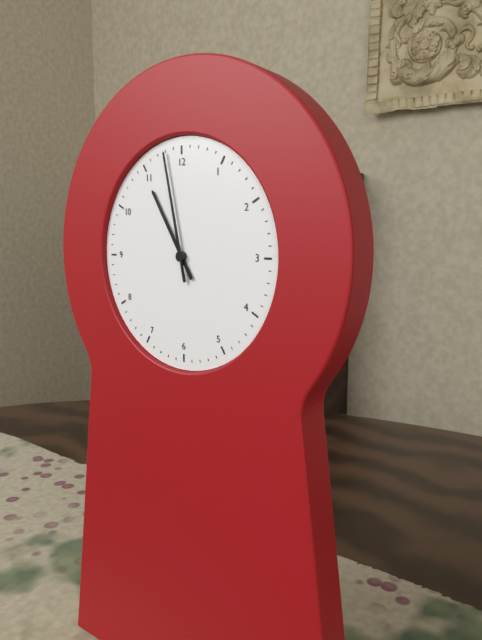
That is h=10 m=58
